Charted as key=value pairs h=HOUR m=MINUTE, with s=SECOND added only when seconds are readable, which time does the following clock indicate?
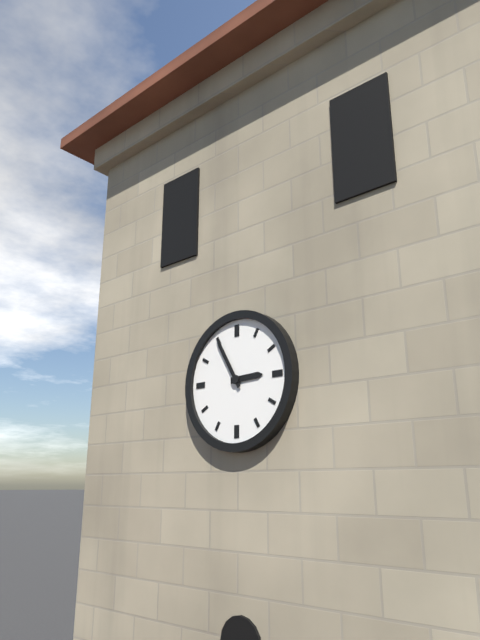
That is h=2 m=55
